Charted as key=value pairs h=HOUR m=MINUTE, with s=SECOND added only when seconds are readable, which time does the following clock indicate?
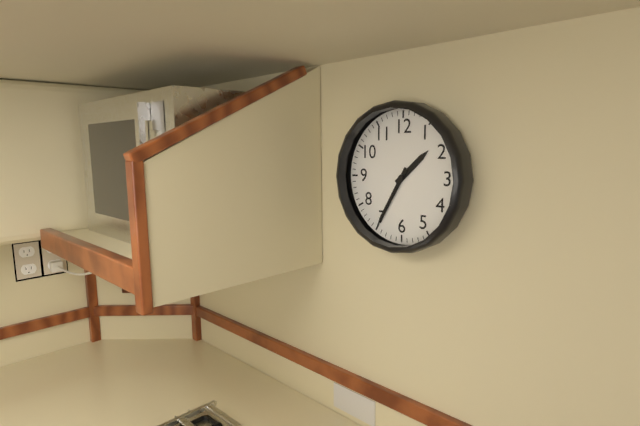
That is h=1 m=35
